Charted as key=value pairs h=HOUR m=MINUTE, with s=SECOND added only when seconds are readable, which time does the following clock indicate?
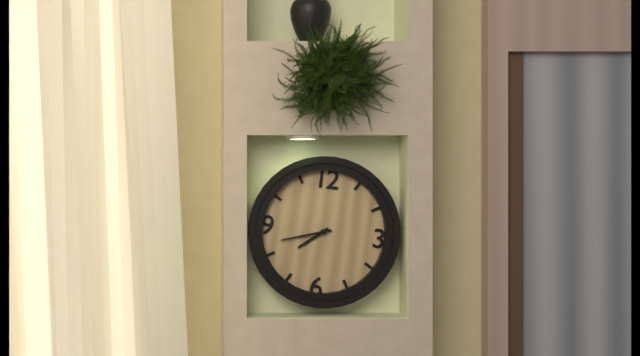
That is h=7 m=42
